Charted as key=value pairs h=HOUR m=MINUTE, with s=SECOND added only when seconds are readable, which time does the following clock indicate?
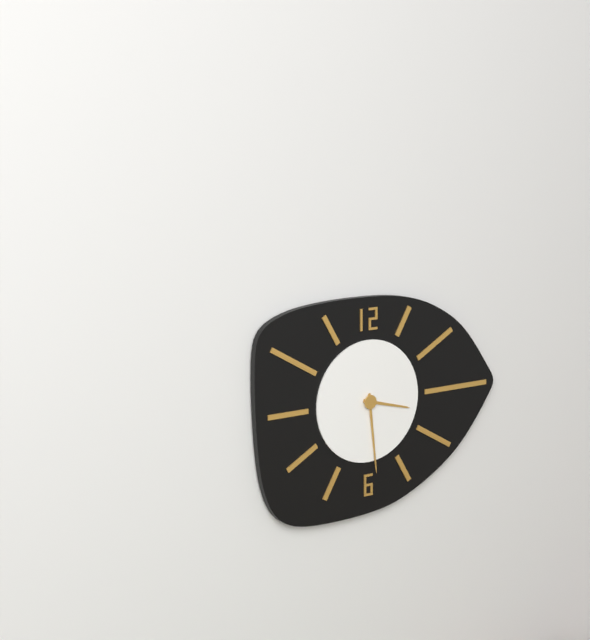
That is h=3 m=29
